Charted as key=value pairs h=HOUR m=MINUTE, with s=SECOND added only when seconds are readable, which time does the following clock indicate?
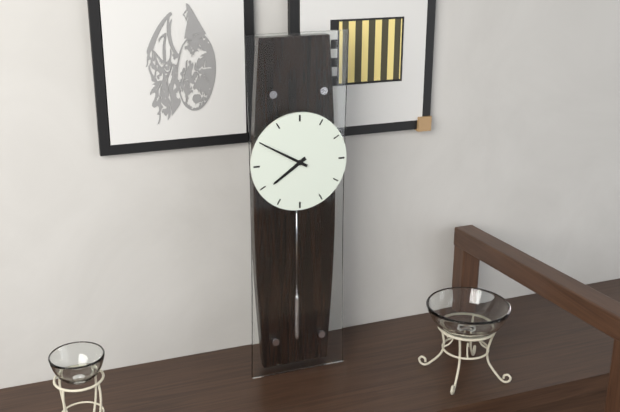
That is h=7 m=50
